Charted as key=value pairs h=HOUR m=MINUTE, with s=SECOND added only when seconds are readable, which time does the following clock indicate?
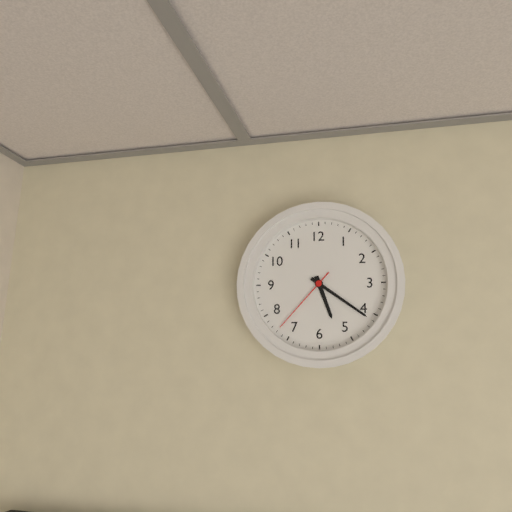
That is h=5 m=21 s=37
